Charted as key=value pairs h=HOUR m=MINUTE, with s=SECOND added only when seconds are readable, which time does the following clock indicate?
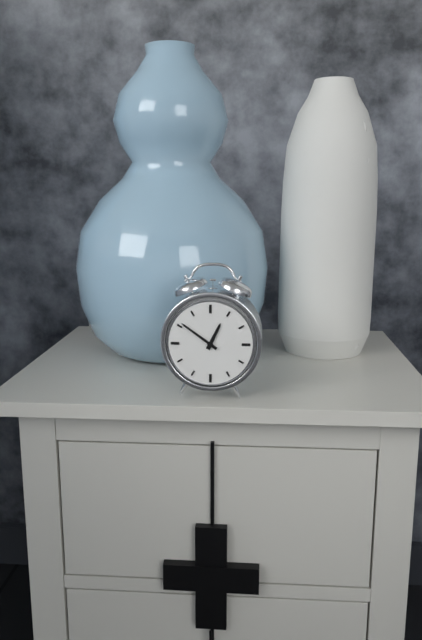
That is h=12 m=51
